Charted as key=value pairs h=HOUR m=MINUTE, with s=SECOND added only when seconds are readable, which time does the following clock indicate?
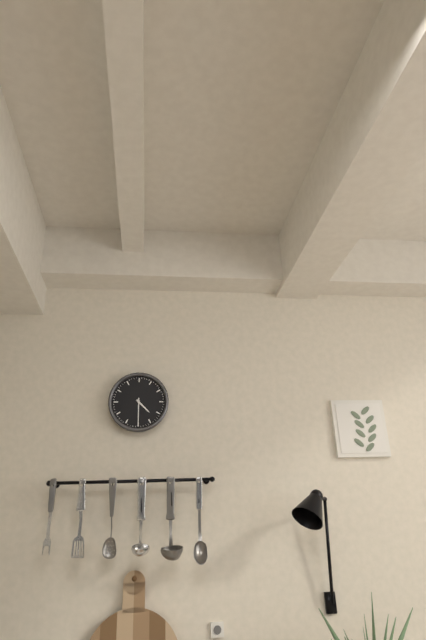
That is h=4 m=30
